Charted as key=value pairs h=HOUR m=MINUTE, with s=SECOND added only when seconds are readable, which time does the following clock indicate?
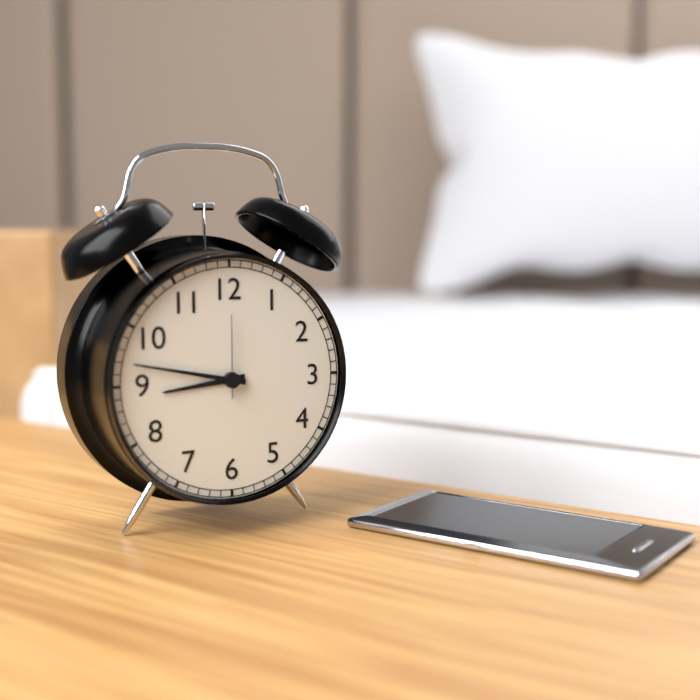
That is h=8 m=47 s=0
